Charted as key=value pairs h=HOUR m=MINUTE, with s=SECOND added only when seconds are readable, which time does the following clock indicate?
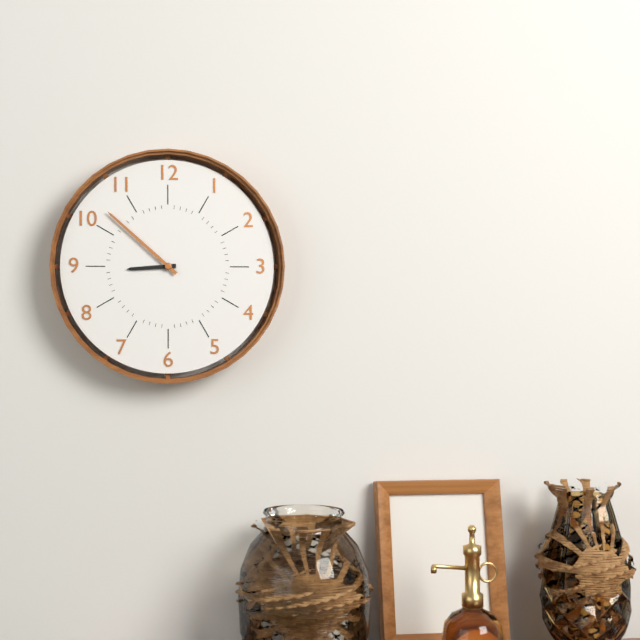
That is h=8 m=52
